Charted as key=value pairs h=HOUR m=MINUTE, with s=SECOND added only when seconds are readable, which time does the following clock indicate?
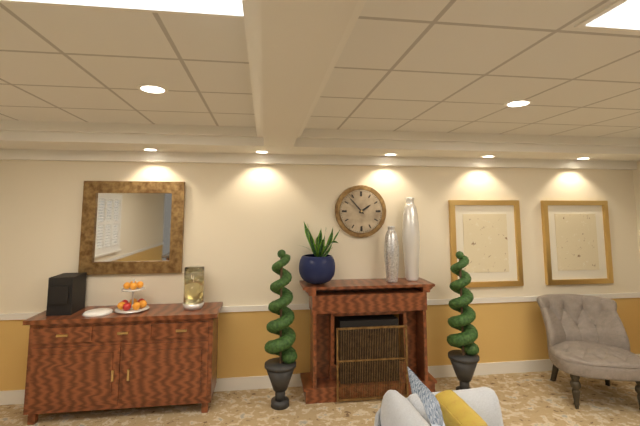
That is h=1 m=53
